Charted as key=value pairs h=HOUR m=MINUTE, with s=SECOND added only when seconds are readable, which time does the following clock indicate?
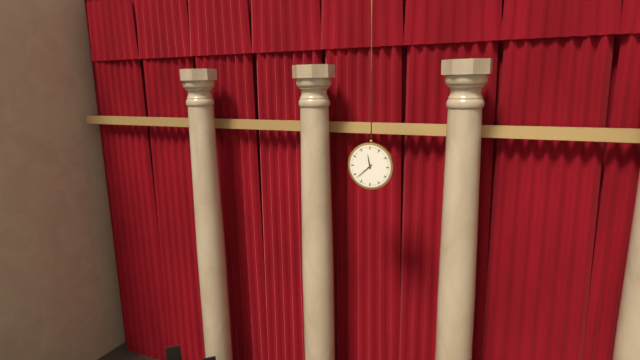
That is h=11 m=38
